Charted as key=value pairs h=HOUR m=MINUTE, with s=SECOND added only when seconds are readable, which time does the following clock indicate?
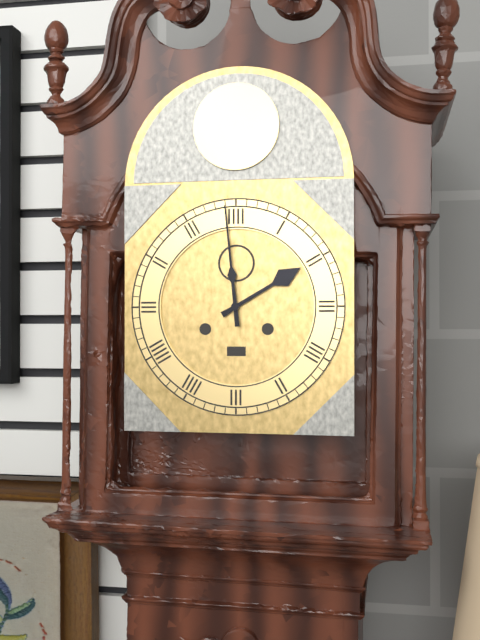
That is h=1 m=59
